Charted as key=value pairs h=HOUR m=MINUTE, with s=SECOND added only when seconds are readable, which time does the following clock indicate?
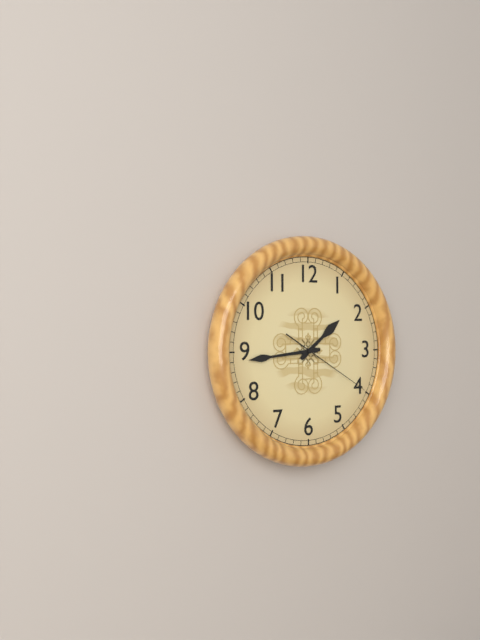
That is h=1 m=44 s=20
